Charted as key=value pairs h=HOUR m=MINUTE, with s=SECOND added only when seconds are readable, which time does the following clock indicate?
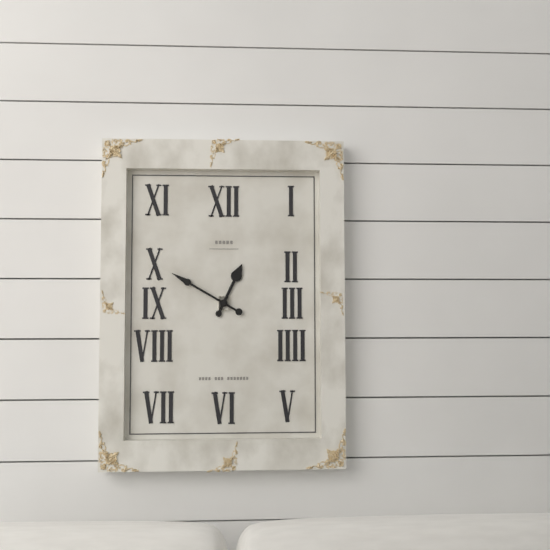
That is h=12 m=50
